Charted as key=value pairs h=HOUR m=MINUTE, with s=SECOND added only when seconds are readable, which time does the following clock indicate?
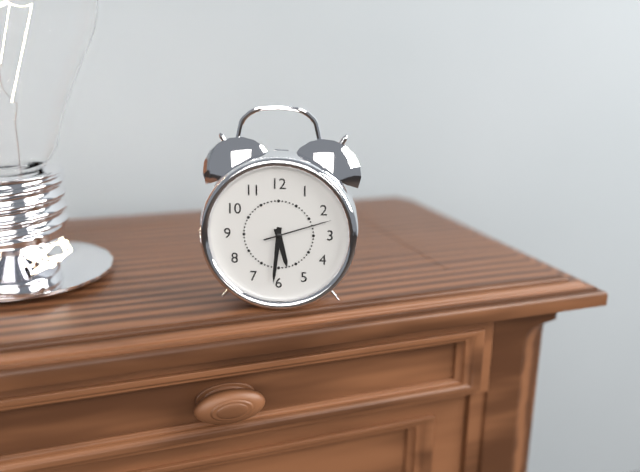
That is h=5 m=31 s=12
